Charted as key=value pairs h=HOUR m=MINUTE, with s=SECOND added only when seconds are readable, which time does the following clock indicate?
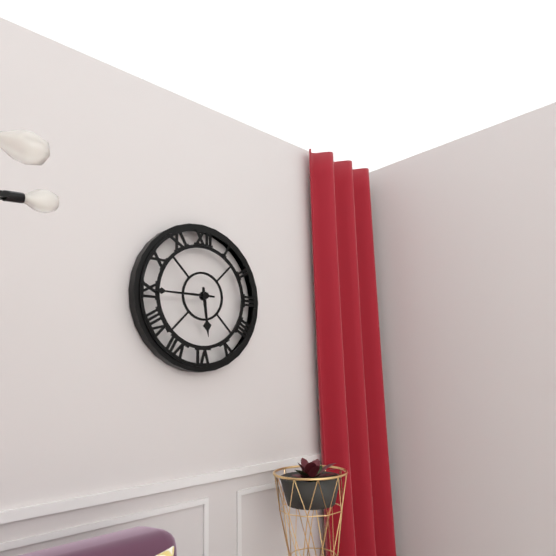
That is h=5 m=45
